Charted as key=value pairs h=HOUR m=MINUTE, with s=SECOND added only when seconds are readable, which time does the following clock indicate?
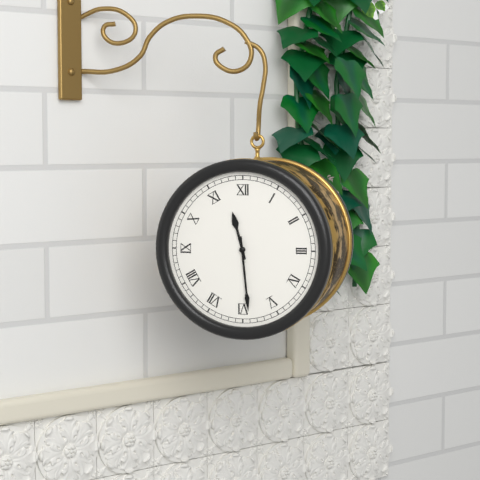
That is h=11 m=29
